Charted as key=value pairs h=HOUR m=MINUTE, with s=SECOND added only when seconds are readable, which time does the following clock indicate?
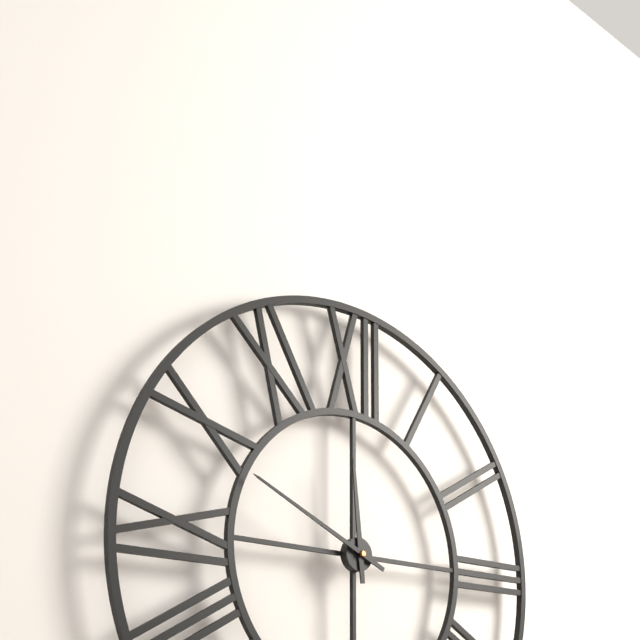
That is h=11 m=49
